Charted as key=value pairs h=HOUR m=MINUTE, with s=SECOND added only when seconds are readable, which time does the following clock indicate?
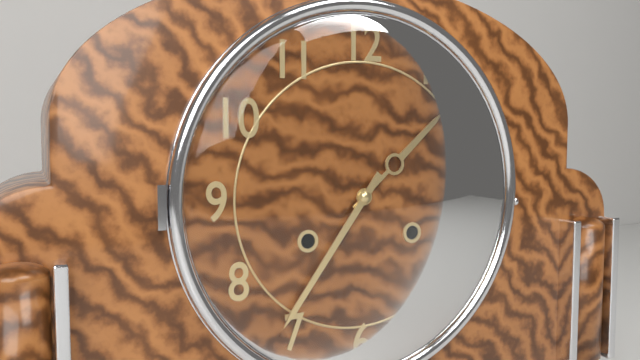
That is h=1 m=36
